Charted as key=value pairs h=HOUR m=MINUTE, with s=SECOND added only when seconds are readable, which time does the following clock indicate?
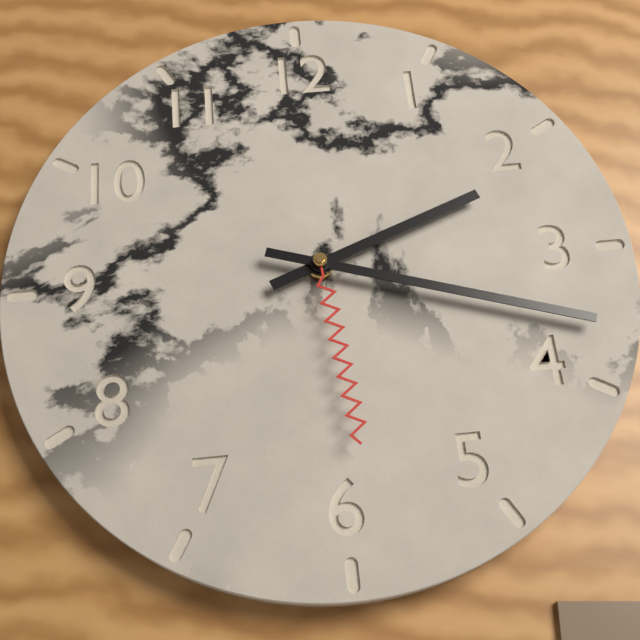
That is h=2 m=18 s=29
